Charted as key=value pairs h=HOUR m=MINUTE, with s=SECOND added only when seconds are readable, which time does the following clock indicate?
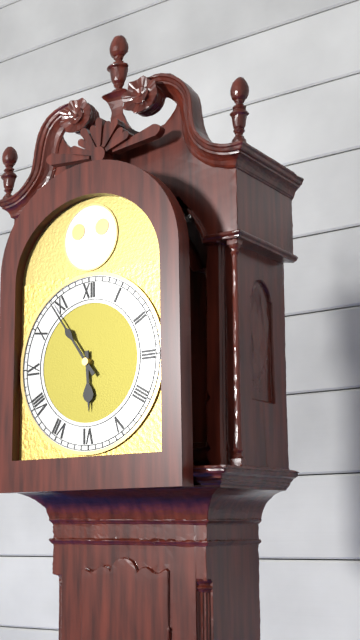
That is h=5 m=54
